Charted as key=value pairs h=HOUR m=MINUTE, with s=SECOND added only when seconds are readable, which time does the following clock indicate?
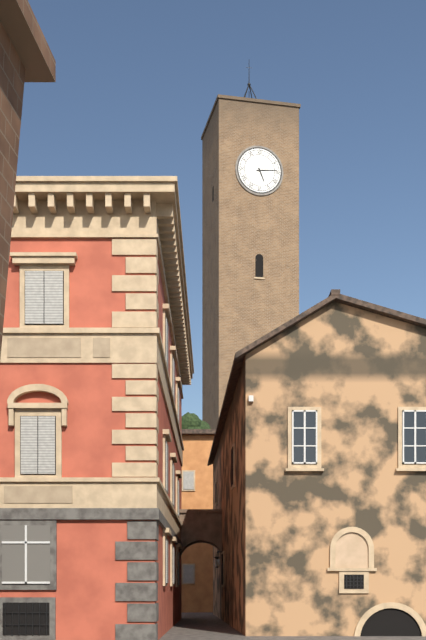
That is h=5 m=14
